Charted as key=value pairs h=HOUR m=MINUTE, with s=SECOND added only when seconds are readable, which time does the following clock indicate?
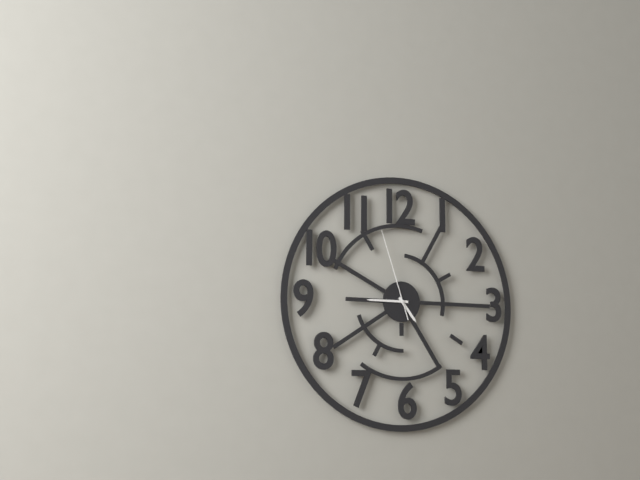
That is h=4 m=45 s=57
